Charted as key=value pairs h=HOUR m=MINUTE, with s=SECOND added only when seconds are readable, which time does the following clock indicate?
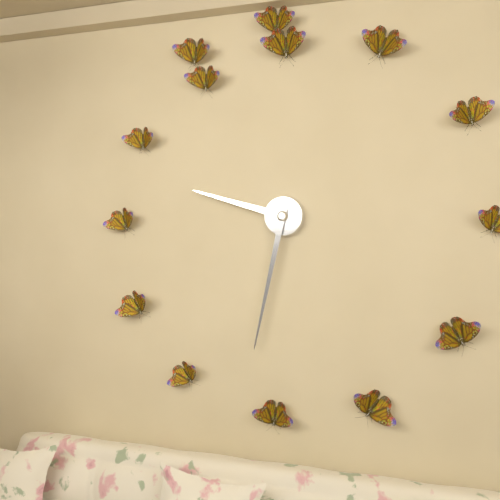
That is h=9 m=32
